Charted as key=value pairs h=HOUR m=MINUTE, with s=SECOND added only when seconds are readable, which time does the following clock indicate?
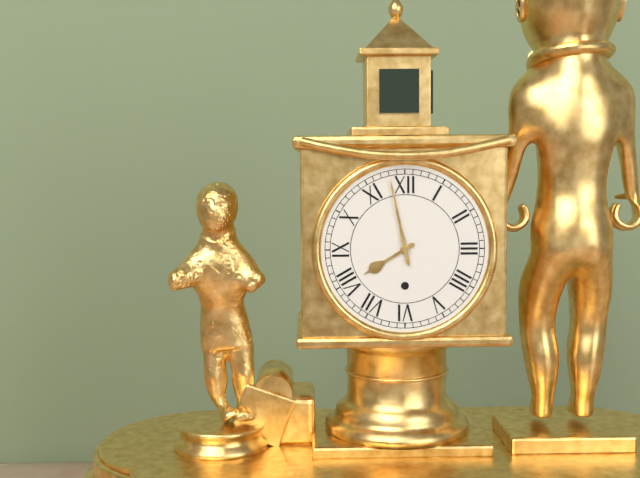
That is h=7 m=58
